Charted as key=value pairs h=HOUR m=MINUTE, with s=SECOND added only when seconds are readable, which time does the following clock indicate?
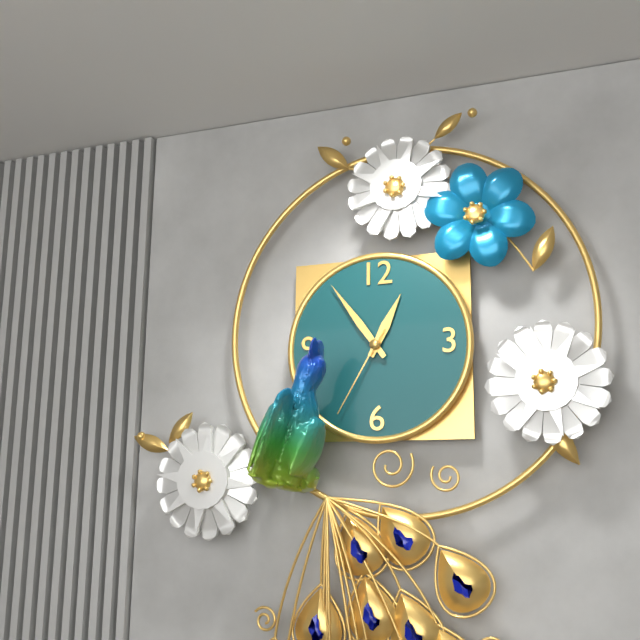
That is h=12 m=54 s=35
